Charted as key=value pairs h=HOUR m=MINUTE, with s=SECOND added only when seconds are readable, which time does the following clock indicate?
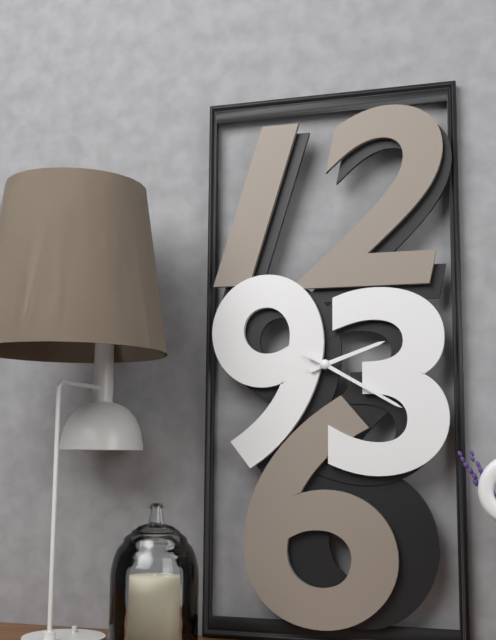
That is h=2 m=20
